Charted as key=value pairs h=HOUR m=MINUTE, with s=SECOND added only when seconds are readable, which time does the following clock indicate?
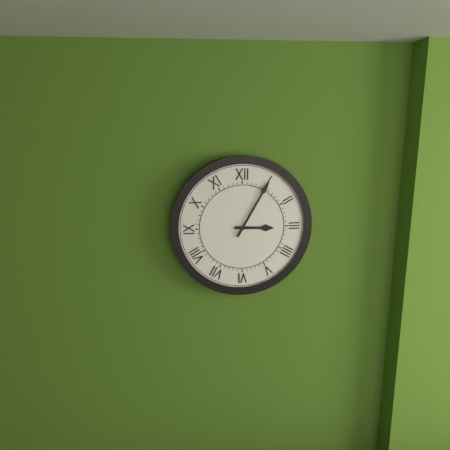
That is h=3 m=5
